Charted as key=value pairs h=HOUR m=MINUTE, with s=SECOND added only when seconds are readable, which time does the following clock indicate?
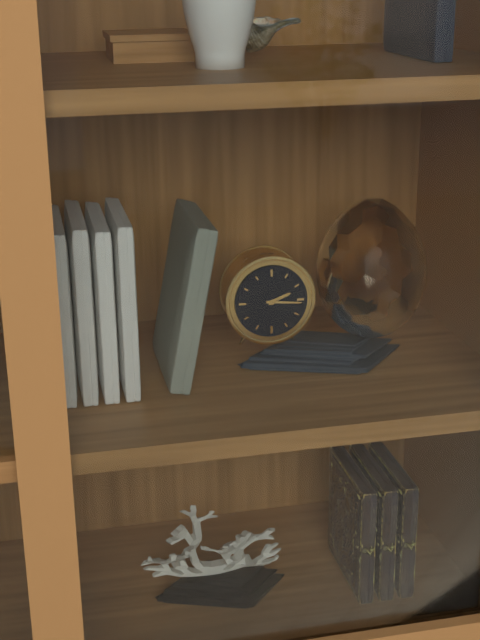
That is h=2 m=16
